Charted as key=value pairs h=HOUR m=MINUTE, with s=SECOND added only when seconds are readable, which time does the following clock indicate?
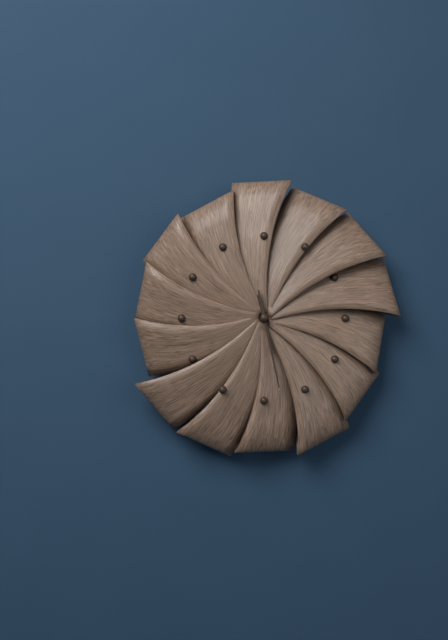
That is h=5 m=28
